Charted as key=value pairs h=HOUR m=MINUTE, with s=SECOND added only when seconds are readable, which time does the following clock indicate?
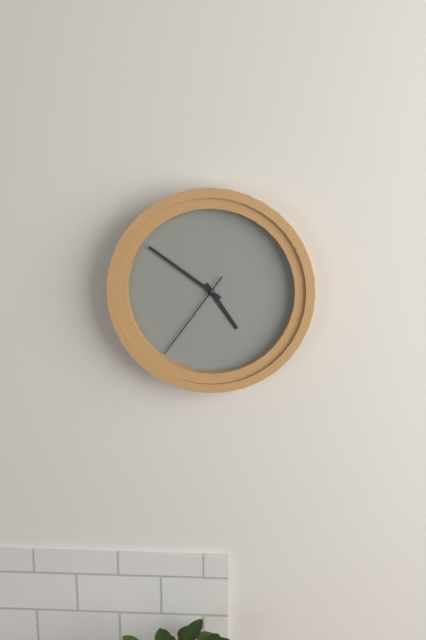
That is h=4 m=51 s=36
